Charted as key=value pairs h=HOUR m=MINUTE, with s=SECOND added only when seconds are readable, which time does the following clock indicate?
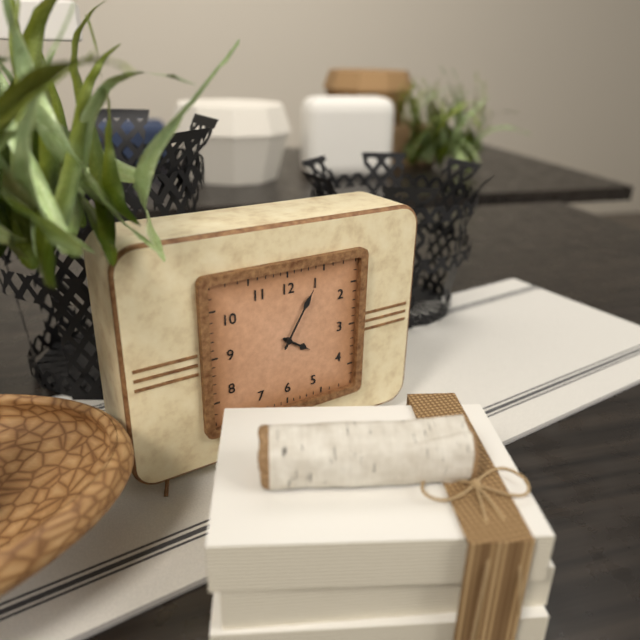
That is h=4 m=5
